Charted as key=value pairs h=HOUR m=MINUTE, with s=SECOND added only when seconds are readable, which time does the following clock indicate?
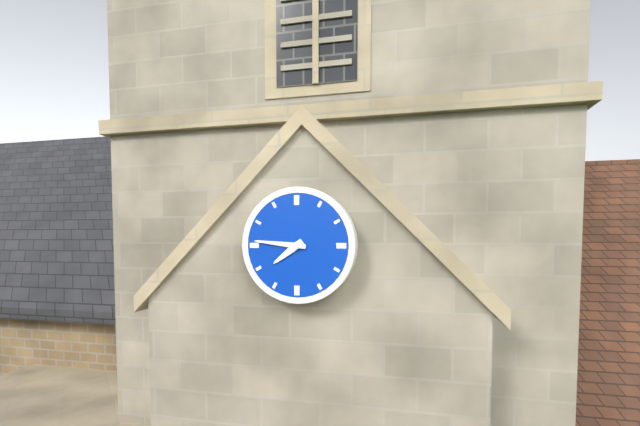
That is h=7 m=46
